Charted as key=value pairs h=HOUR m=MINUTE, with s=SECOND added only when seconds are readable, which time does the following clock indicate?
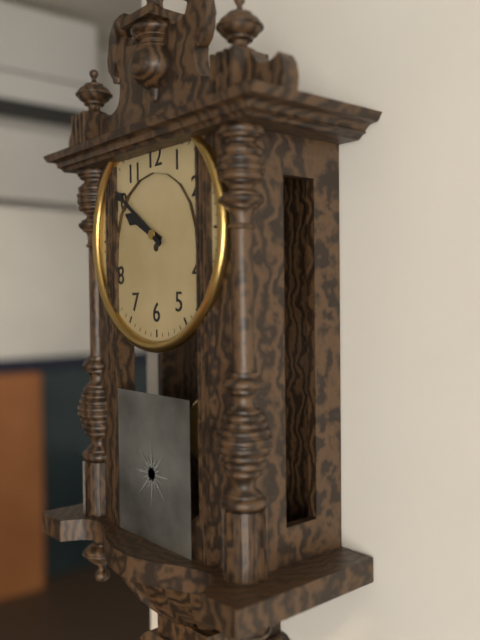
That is h=9 m=51
